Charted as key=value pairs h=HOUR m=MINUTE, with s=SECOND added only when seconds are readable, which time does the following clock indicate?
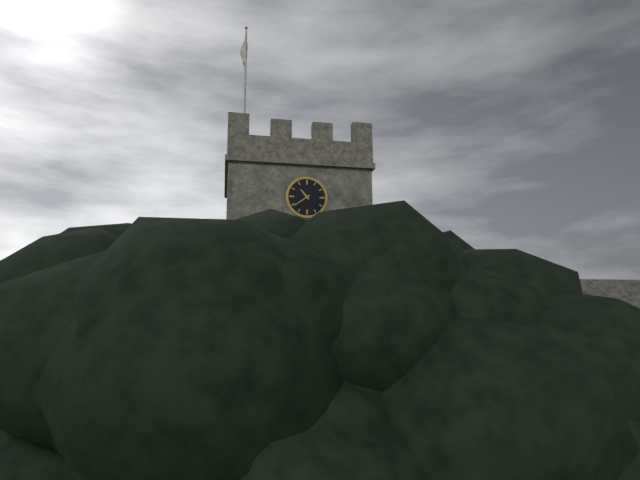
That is h=10 m=39
